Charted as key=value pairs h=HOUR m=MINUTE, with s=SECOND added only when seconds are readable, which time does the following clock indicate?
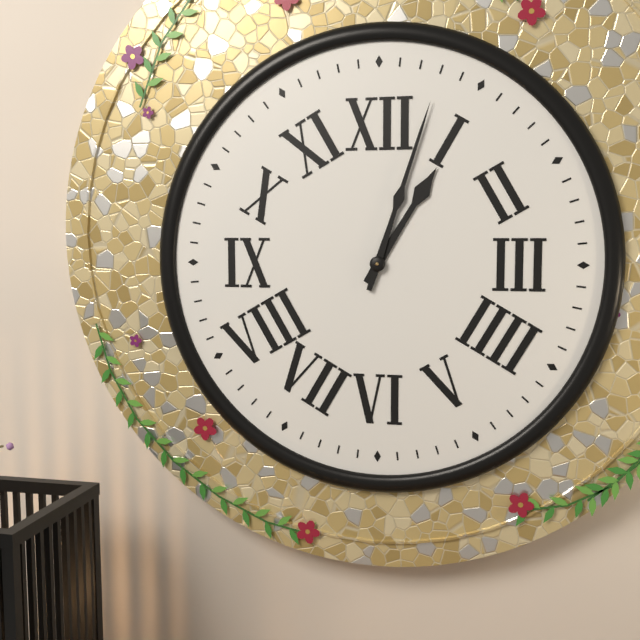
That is h=1 m=3
